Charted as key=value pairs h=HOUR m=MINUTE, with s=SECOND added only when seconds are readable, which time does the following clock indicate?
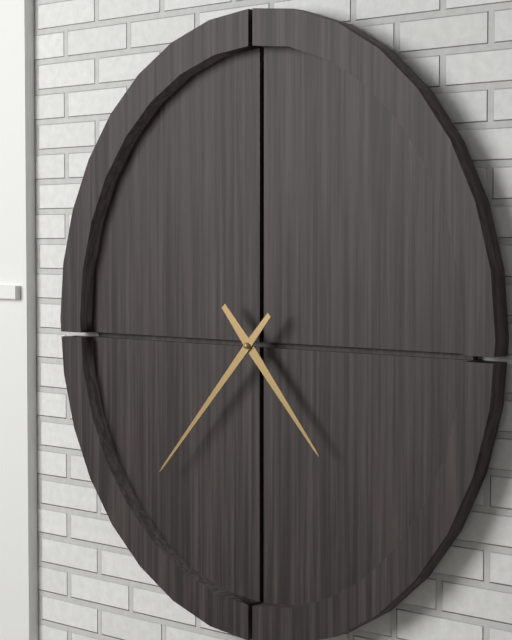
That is h=4 m=37
